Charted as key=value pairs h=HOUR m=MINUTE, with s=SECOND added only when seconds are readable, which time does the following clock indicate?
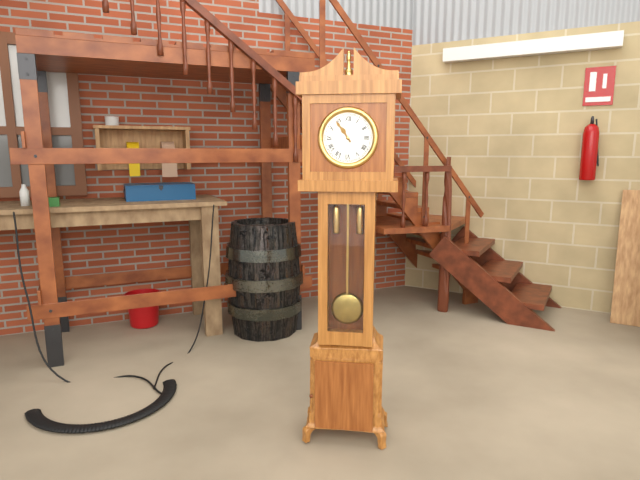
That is h=10 m=54
